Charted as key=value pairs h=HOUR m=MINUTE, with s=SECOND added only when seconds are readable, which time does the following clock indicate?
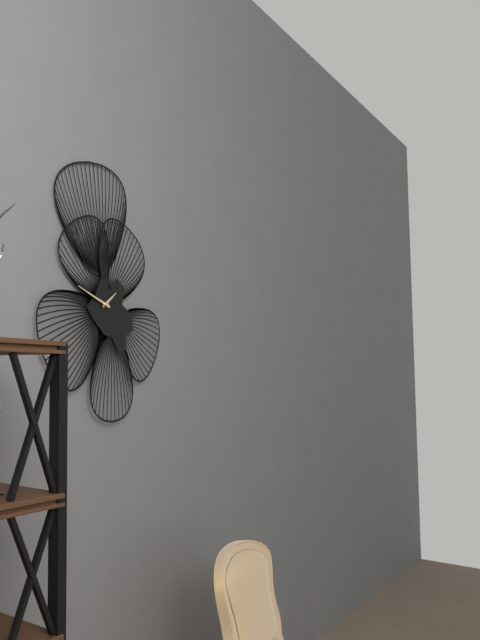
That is h=1 m=48
